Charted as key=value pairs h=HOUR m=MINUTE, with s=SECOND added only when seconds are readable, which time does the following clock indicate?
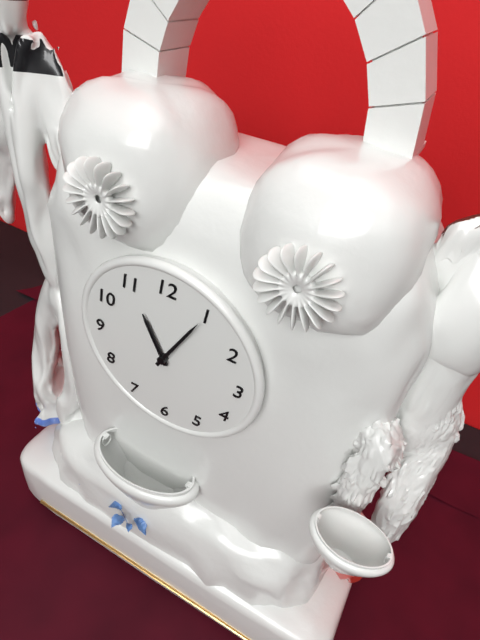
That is h=11 m=5
